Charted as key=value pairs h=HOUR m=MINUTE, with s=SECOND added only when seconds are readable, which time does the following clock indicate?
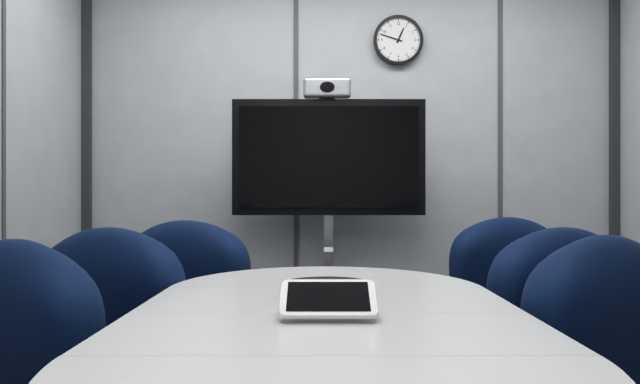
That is h=12 m=48
